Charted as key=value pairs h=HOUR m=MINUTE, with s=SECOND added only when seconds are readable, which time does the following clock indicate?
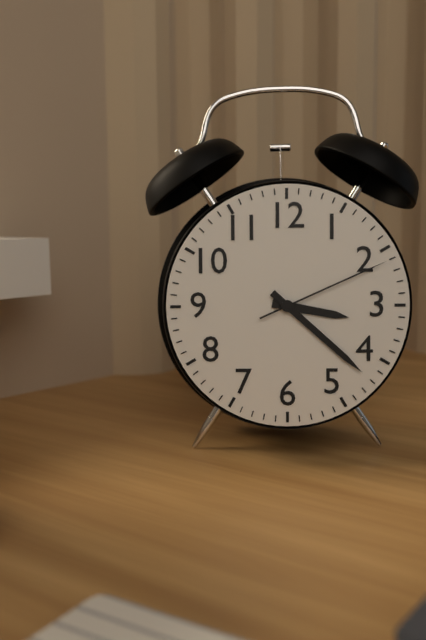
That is h=3 m=22 s=11
